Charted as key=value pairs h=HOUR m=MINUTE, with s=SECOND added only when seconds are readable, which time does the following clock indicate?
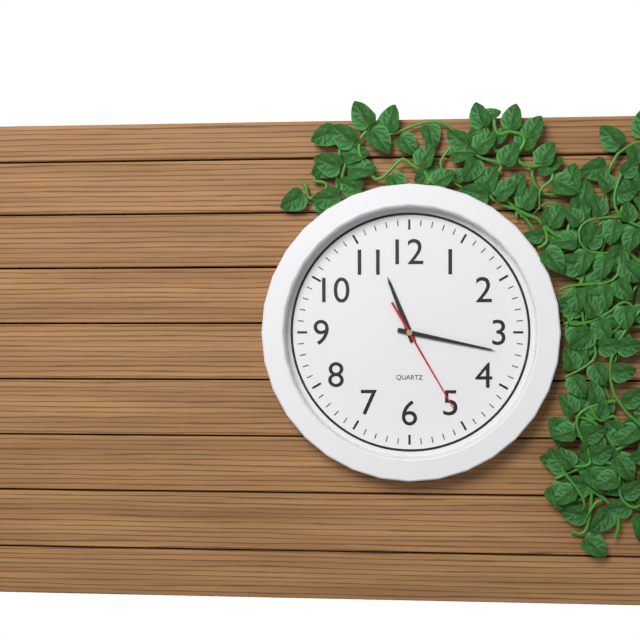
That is h=11 m=17 s=25
